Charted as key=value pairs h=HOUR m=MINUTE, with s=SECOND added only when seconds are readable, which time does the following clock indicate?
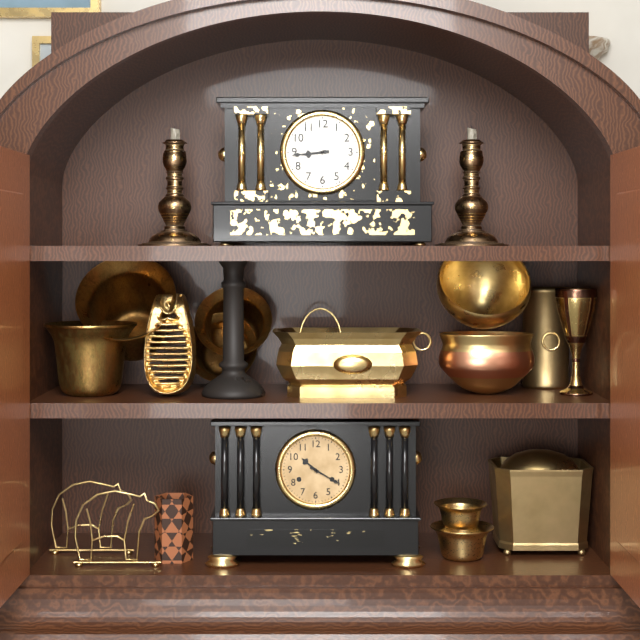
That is h=8 m=44
